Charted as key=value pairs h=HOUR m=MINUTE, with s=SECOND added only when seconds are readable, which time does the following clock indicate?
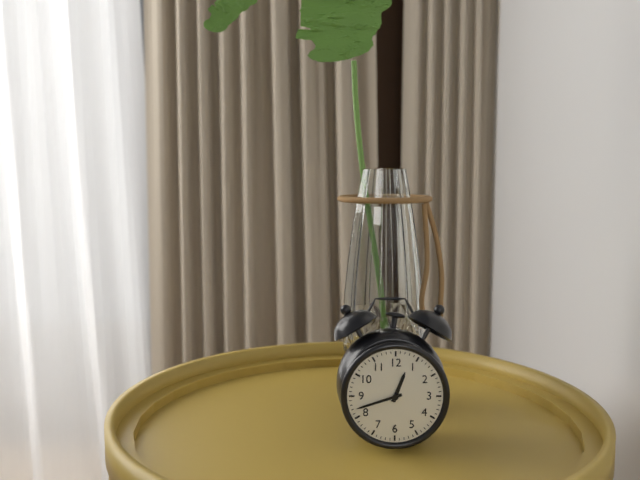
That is h=12 m=42
